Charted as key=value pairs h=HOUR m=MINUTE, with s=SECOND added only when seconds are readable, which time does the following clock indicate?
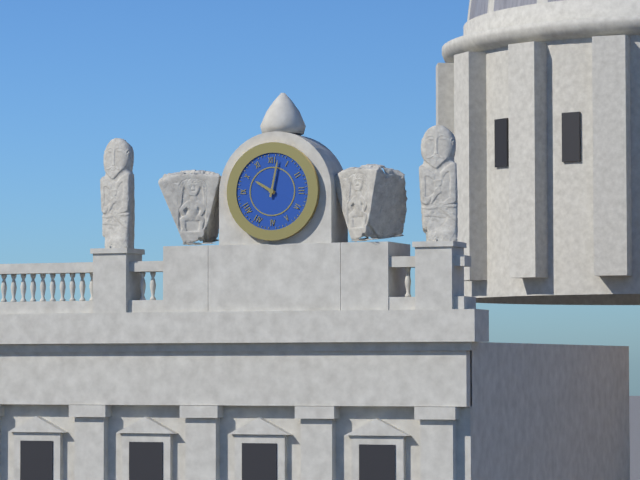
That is h=10 m=2
